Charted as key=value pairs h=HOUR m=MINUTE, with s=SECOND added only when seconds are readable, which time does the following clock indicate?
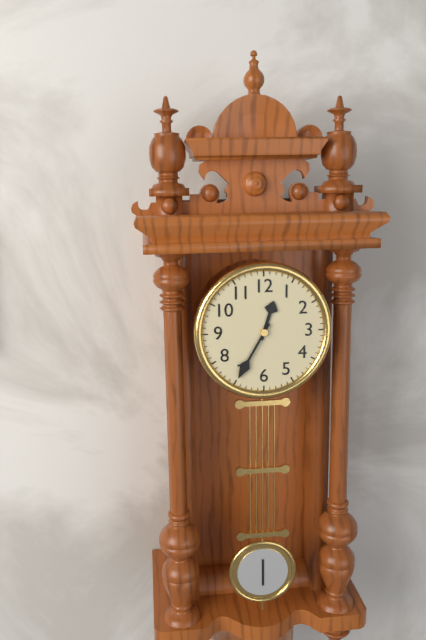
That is h=12 m=35
